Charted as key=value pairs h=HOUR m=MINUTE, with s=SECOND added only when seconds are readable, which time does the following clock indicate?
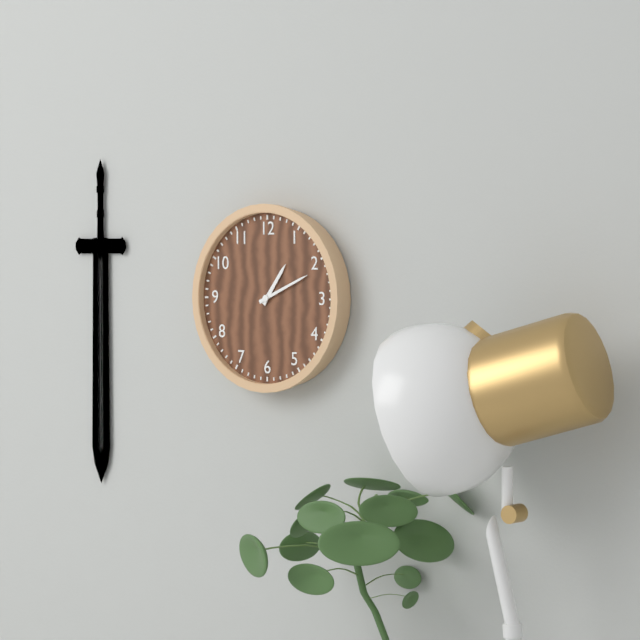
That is h=1 m=11
